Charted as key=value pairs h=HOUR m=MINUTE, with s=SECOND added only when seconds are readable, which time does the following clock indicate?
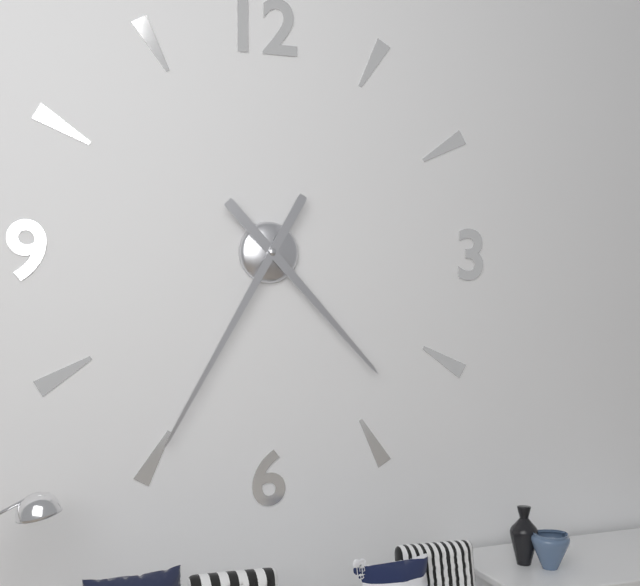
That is h=4 m=35
